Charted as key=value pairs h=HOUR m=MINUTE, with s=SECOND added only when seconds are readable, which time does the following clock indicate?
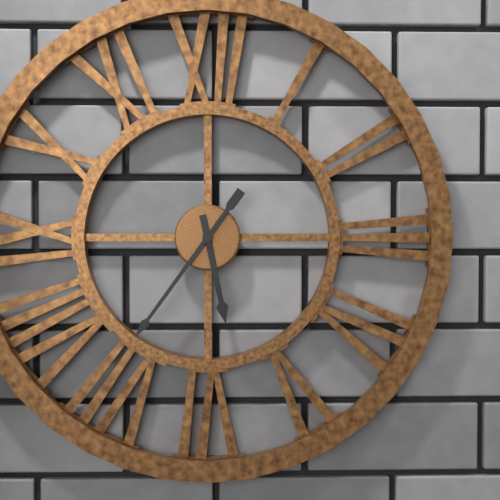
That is h=5 m=36
